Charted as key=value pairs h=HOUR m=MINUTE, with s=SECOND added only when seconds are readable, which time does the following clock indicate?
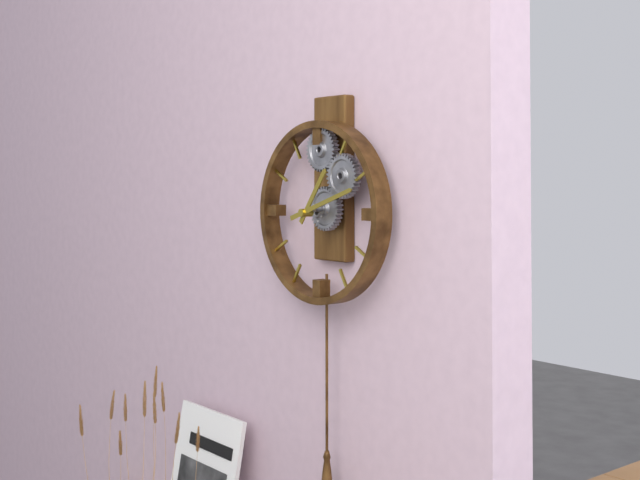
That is h=1 m=12
